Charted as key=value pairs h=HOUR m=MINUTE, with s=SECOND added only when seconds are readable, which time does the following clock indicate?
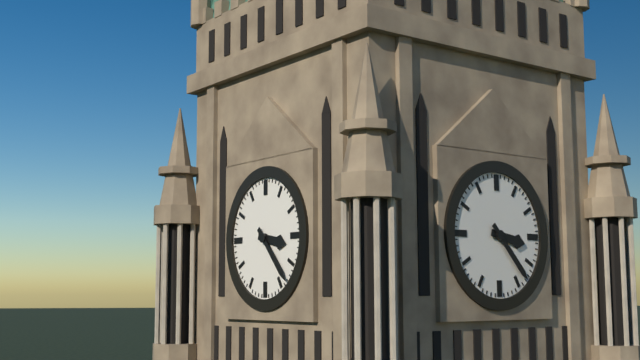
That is h=3 m=23
